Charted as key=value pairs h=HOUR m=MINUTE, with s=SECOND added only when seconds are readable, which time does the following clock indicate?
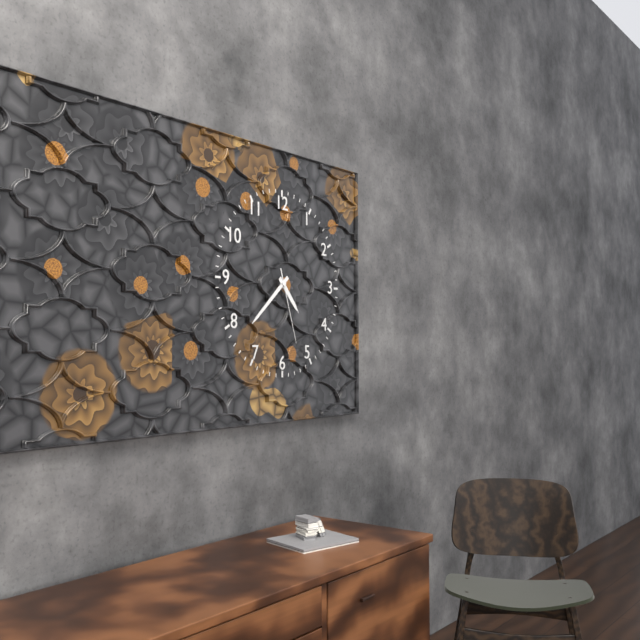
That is h=4 m=38 s=27
